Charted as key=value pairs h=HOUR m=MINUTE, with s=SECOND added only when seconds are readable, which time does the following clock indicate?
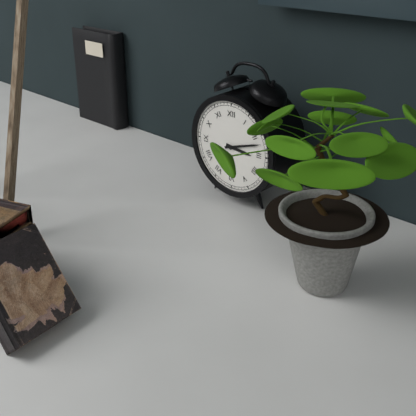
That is h=3 m=12
